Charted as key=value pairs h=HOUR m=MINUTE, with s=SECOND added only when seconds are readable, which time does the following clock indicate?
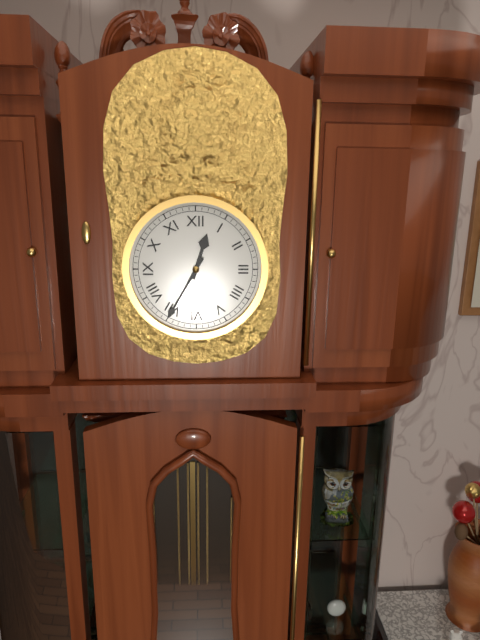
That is h=12 m=35
